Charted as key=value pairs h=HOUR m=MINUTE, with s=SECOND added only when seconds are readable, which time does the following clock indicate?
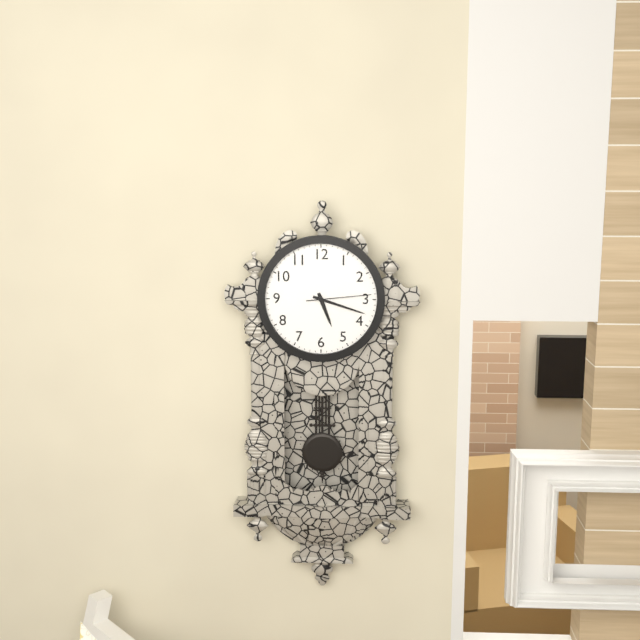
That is h=5 m=18 s=14
